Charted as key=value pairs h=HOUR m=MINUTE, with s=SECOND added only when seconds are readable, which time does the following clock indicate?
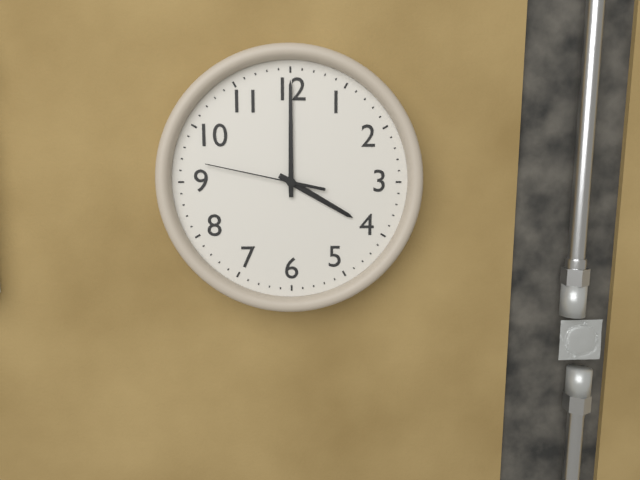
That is h=4 m=0 s=47
